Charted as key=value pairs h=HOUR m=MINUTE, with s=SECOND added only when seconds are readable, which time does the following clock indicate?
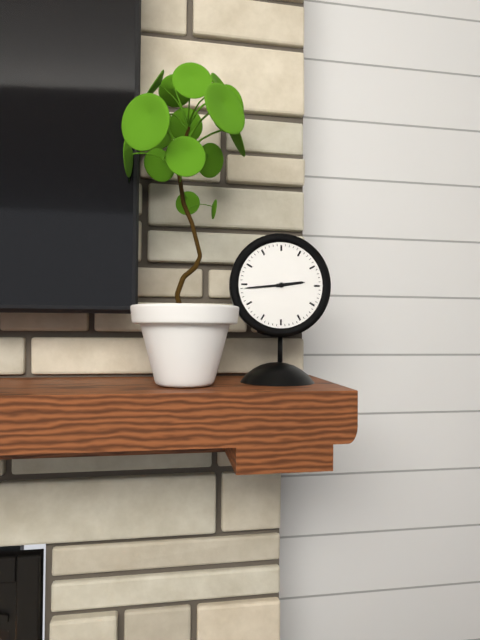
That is h=2 m=44
